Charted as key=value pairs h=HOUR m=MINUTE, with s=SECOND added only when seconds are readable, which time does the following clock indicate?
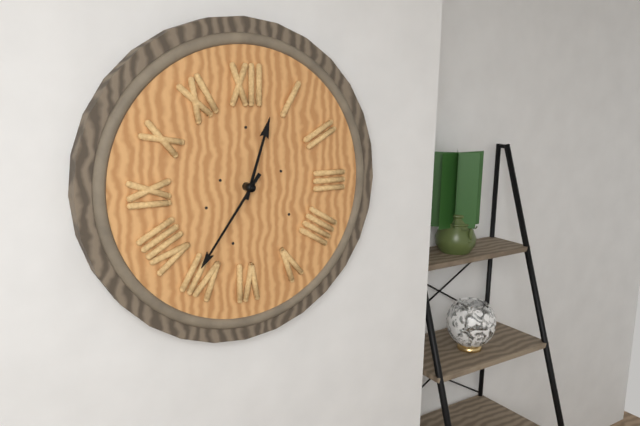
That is h=12 m=36
